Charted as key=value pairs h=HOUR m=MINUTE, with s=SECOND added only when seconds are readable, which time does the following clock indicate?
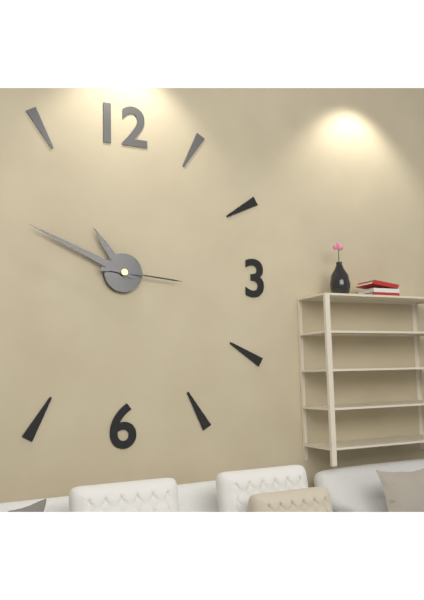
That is h=10 m=49 s=16
